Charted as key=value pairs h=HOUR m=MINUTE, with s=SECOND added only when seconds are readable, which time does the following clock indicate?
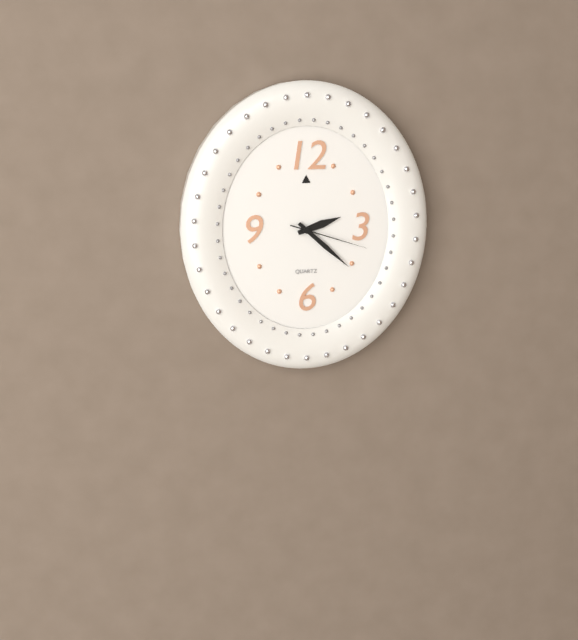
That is h=2 m=22 s=18
